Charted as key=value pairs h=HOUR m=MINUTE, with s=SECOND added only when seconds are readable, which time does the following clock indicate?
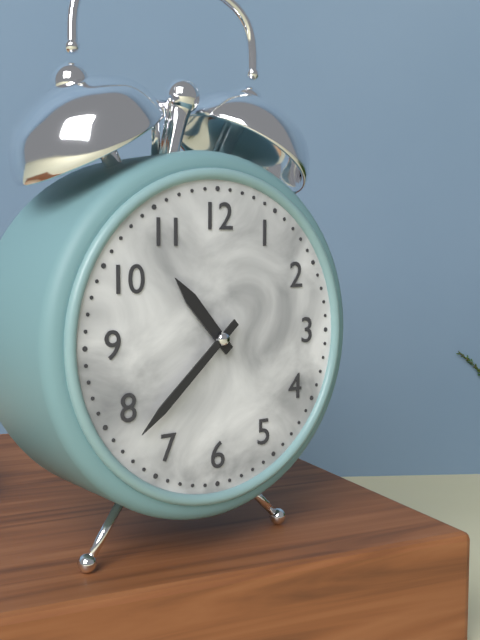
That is h=10 m=38
